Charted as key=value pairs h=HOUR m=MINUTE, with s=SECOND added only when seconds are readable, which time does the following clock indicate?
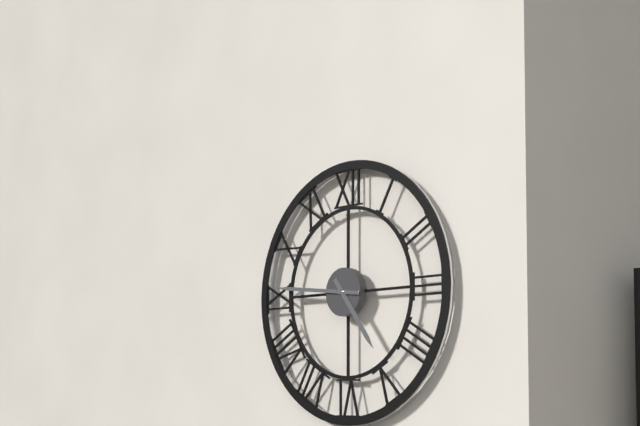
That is h=4 m=46
